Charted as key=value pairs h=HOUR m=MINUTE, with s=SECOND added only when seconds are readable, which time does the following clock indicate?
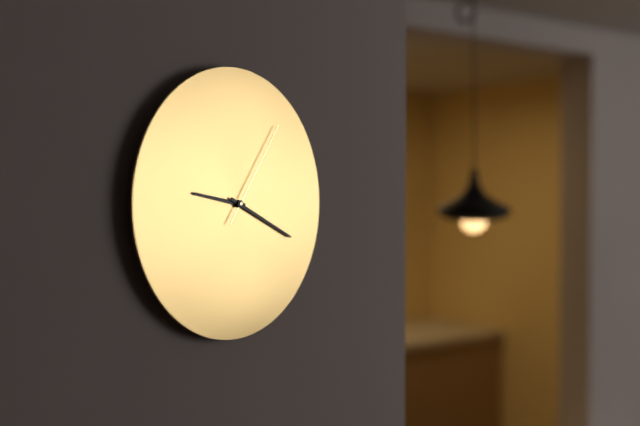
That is h=9 m=19 s=6
